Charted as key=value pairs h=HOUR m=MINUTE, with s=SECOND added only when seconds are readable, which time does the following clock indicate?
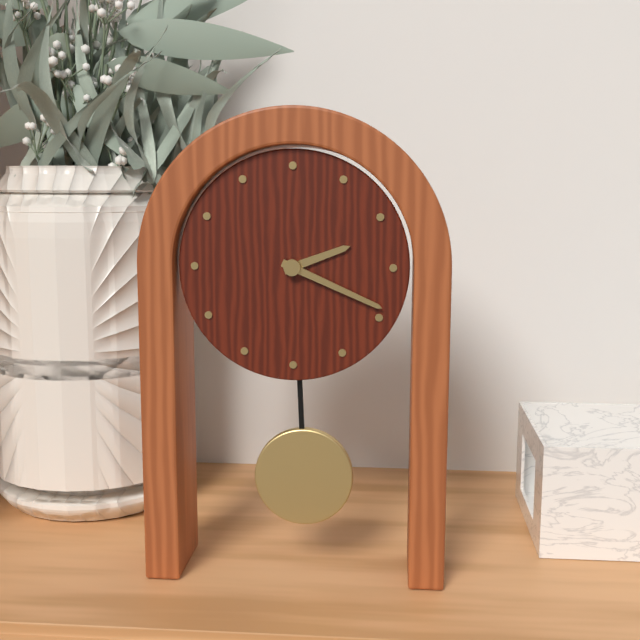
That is h=2 m=19
